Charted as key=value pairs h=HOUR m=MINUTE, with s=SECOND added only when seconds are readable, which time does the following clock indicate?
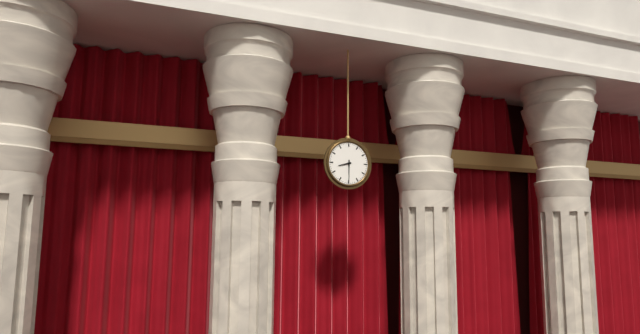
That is h=8 m=30
